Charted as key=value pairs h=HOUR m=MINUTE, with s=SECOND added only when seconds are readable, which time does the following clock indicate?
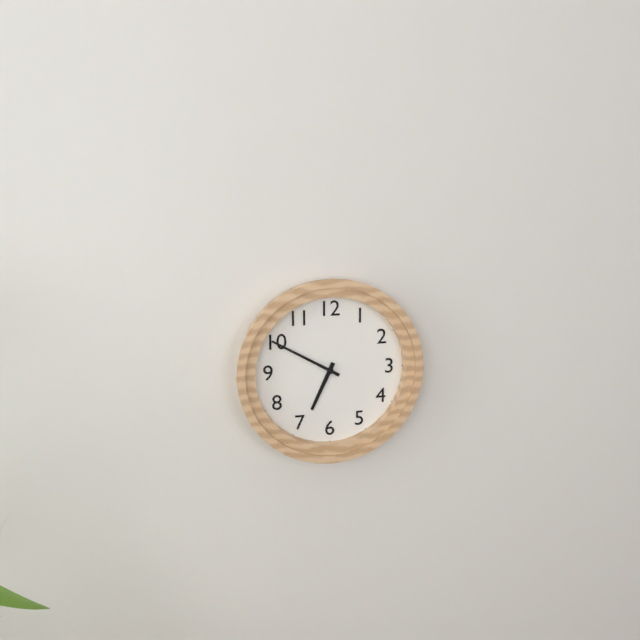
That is h=6 m=50
